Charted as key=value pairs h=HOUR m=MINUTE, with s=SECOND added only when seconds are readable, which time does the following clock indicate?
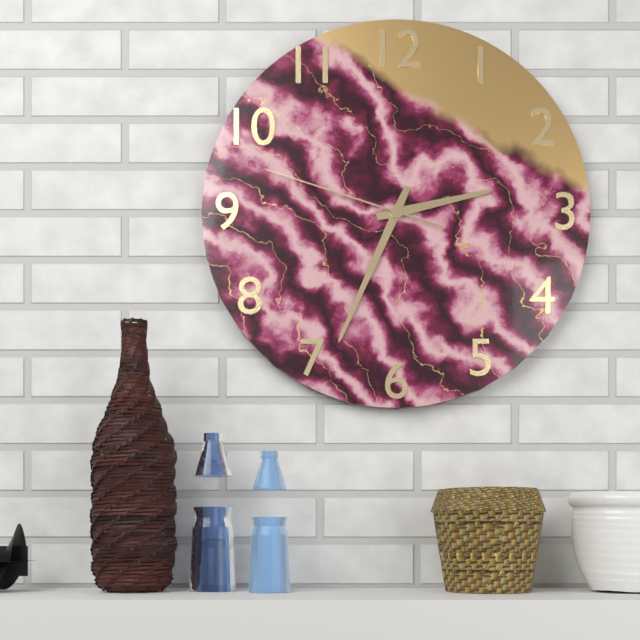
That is h=2 m=34 s=48
